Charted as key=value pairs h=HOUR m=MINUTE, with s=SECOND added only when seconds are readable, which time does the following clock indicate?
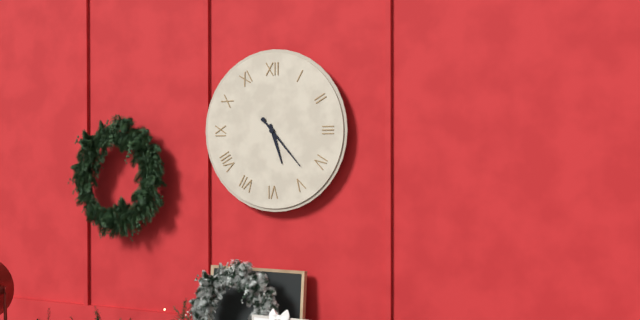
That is h=5 m=23
